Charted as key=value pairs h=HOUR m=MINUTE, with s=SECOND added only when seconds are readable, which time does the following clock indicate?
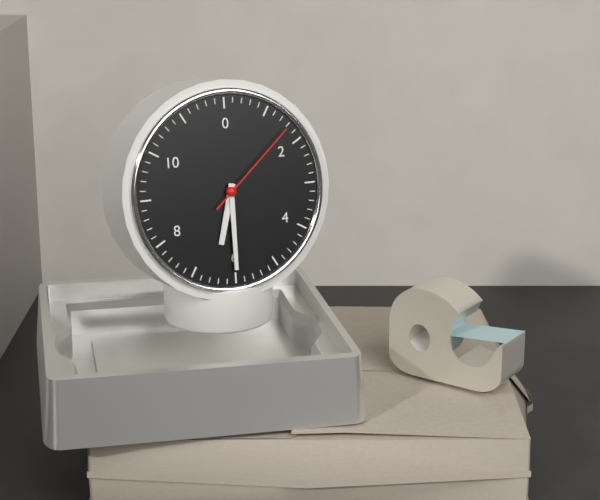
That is h=6 m=30 s=8
